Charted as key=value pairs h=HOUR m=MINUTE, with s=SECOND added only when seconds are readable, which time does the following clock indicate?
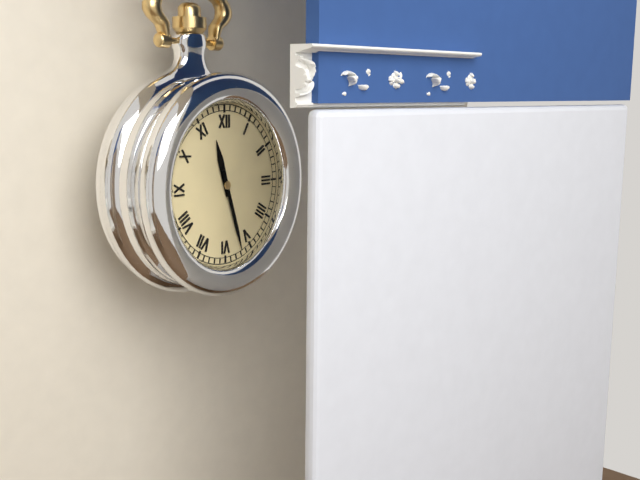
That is h=11 m=27
